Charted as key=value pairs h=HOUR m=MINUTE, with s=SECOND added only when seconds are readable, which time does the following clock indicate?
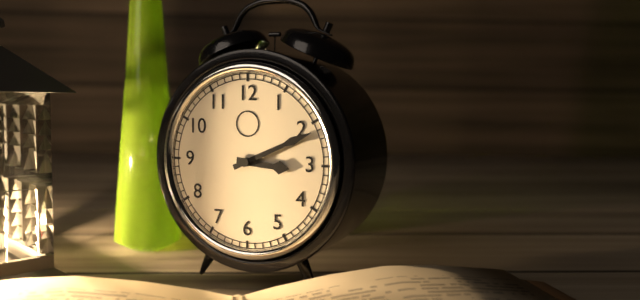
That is h=3 m=11
